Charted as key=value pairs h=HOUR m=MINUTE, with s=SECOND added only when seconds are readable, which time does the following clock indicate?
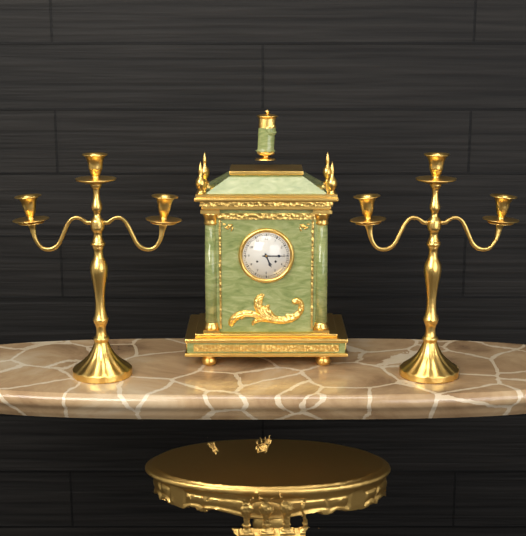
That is h=5 m=15
